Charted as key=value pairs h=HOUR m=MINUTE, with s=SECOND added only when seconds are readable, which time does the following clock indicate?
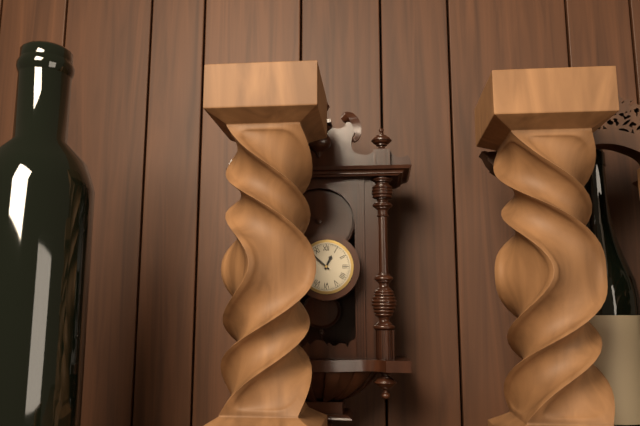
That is h=12 m=52
